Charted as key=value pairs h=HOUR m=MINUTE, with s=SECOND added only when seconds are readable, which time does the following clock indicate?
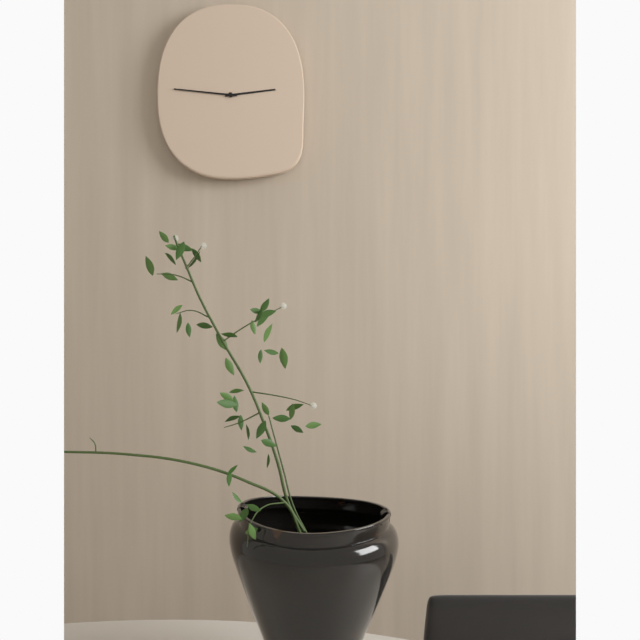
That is h=2 m=46
